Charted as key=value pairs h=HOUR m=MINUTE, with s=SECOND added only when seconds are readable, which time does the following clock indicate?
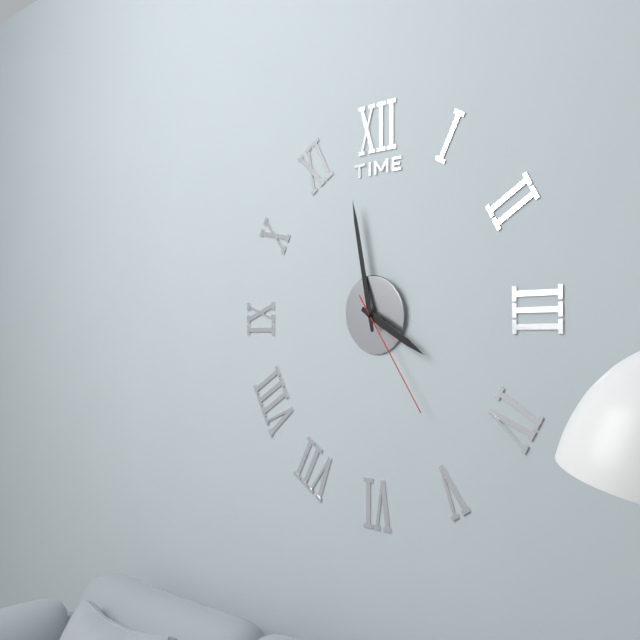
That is h=3 m=58 s=24
